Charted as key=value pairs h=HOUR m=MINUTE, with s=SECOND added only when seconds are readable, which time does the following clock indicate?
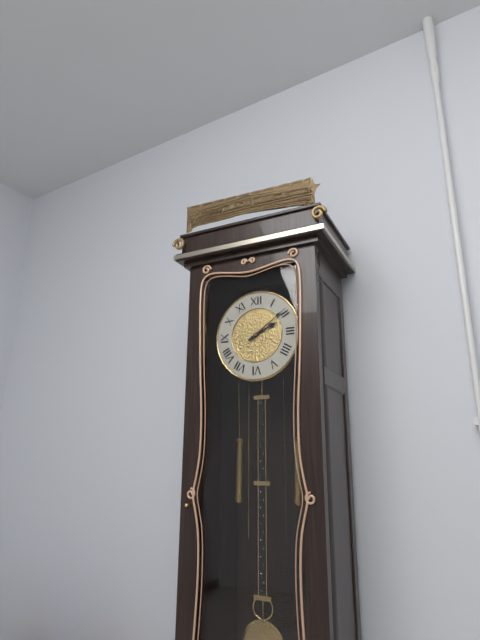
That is h=2 m=9
